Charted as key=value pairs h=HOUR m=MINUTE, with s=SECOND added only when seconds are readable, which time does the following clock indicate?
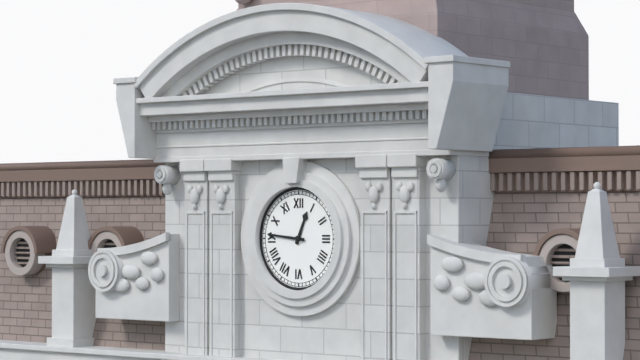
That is h=12 m=46
